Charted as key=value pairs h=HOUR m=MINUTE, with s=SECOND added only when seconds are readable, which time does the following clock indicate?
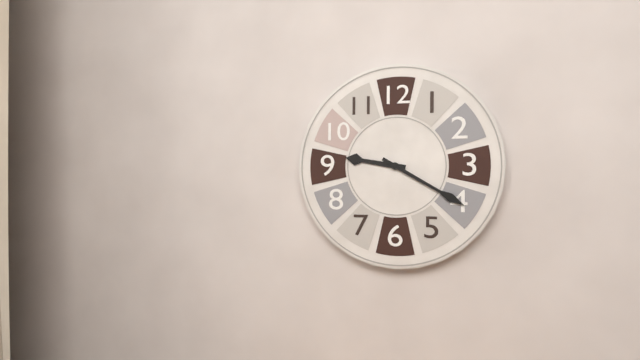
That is h=9 m=20
